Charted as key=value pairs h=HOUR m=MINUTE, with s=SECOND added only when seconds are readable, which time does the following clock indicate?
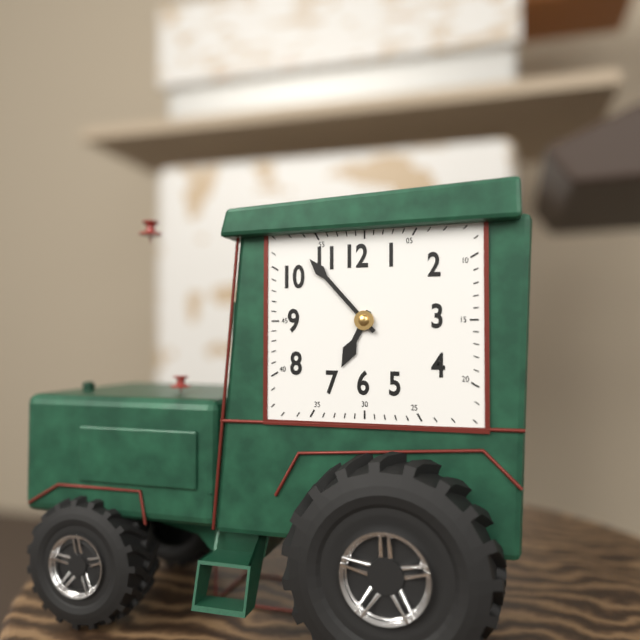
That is h=6 m=53
